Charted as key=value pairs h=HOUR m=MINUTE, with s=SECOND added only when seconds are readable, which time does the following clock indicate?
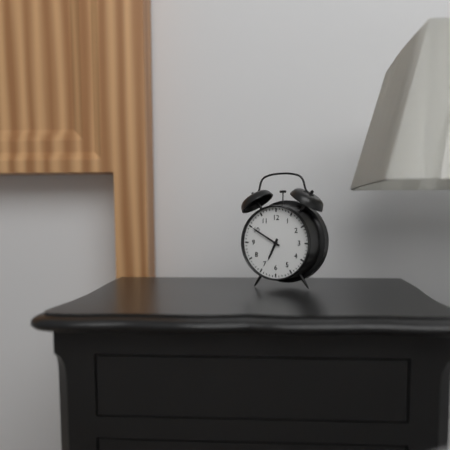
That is h=6 m=50
